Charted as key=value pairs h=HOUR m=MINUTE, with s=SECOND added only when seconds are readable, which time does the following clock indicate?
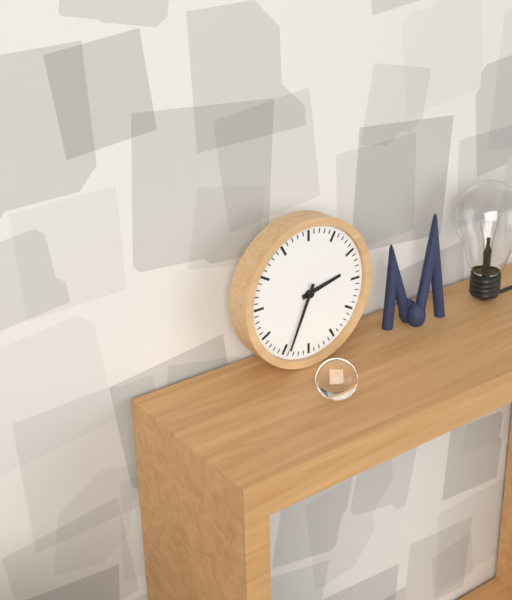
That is h=2 m=34
